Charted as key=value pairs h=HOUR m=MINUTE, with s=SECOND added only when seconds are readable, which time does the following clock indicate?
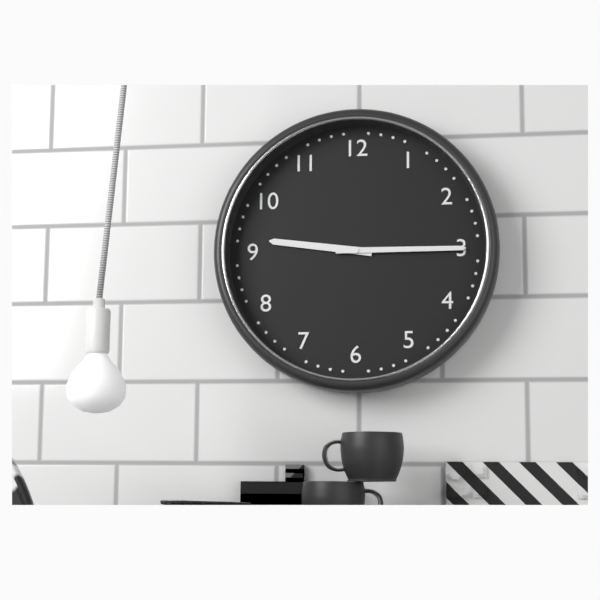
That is h=9 m=15
